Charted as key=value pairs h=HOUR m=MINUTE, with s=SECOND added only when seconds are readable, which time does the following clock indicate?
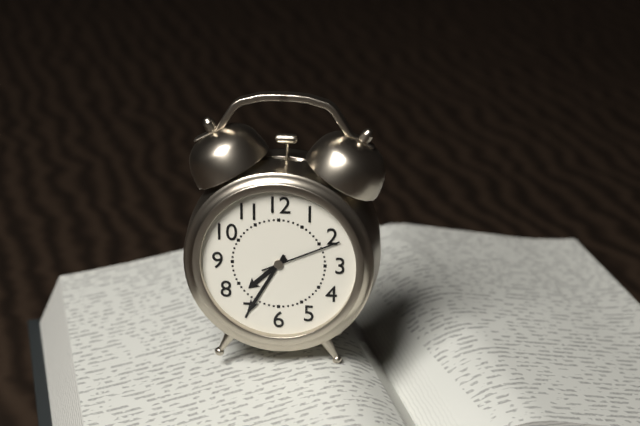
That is h=7 m=35 s=11
